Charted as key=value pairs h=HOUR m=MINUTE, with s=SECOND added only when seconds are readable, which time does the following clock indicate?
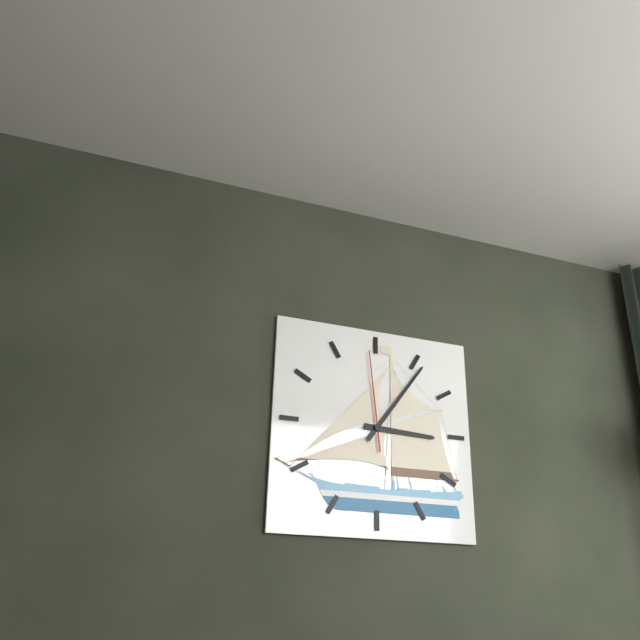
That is h=3 m=6 s=59
